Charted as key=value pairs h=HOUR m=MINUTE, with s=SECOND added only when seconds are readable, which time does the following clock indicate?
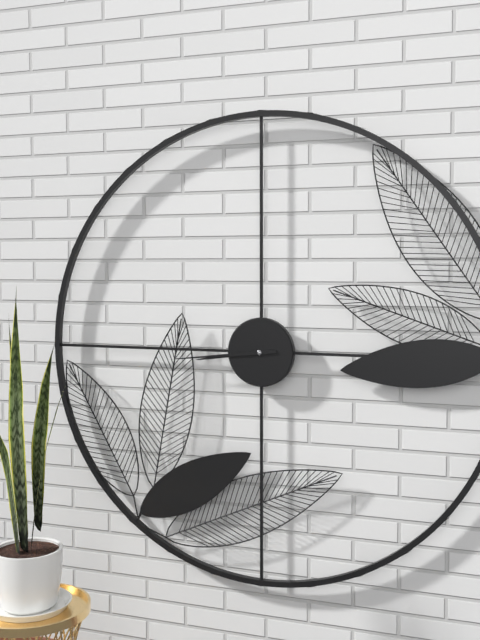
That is h=8 m=44
